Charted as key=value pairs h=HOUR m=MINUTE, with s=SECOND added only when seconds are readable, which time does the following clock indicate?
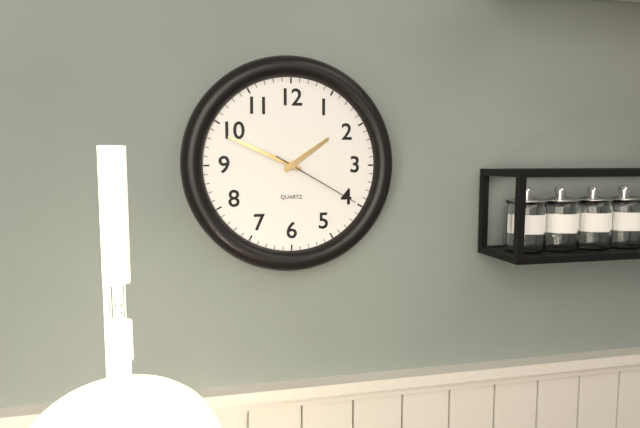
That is h=1 m=49 s=20
